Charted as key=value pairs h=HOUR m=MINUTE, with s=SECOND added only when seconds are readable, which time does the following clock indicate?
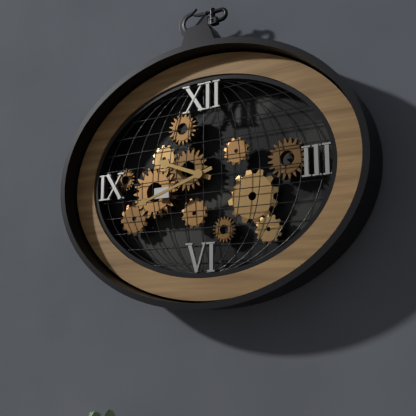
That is h=9 m=42
